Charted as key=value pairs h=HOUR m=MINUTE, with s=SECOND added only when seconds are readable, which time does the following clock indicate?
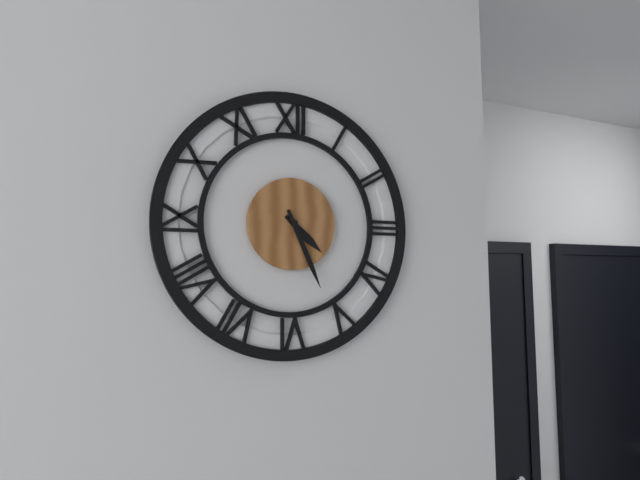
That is h=4 m=26
